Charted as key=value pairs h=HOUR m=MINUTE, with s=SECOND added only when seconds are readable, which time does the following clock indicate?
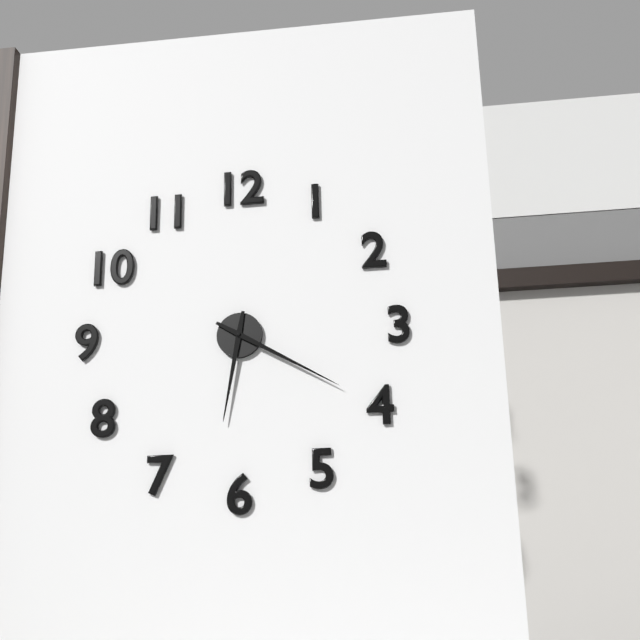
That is h=6 m=20
